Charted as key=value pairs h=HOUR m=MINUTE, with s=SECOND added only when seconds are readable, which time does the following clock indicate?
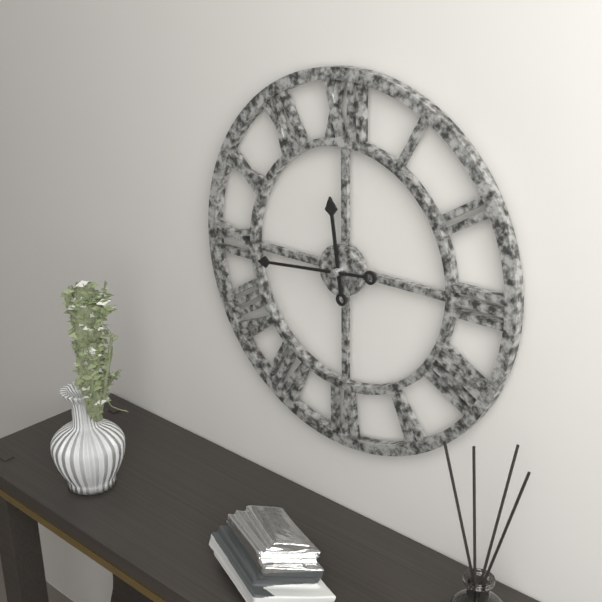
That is h=11 m=44
